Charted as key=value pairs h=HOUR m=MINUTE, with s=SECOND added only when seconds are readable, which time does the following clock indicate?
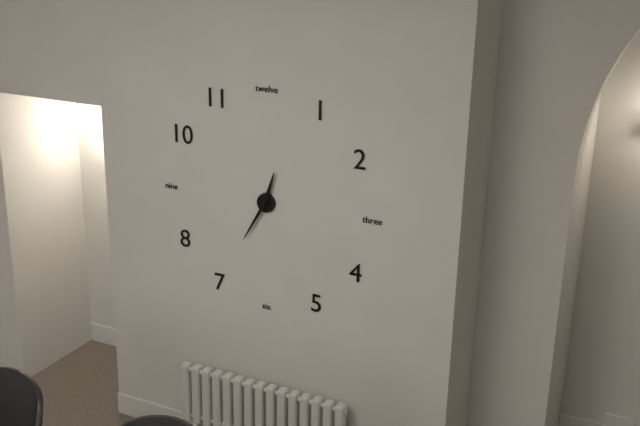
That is h=12 m=35
